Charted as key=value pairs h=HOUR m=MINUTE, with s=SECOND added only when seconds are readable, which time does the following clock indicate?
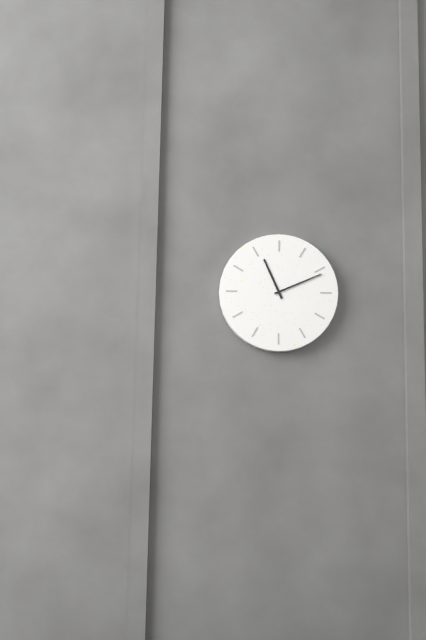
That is h=11 m=11
